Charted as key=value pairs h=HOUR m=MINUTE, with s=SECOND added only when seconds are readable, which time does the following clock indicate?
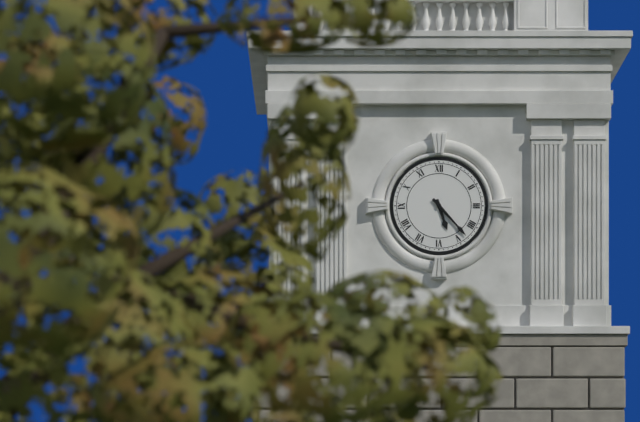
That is h=5 m=23
